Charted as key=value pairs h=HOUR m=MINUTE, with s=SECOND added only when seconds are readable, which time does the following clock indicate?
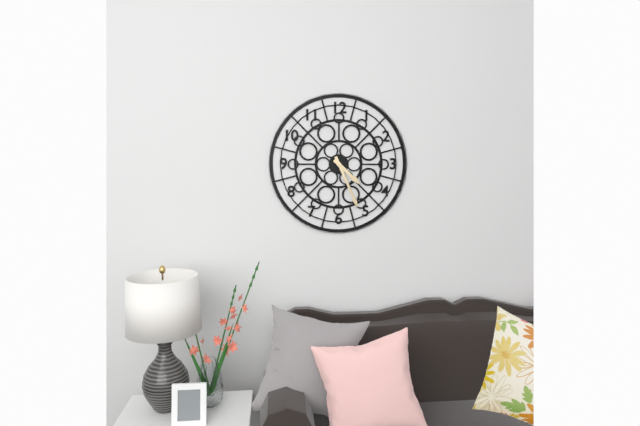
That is h=4 m=26
